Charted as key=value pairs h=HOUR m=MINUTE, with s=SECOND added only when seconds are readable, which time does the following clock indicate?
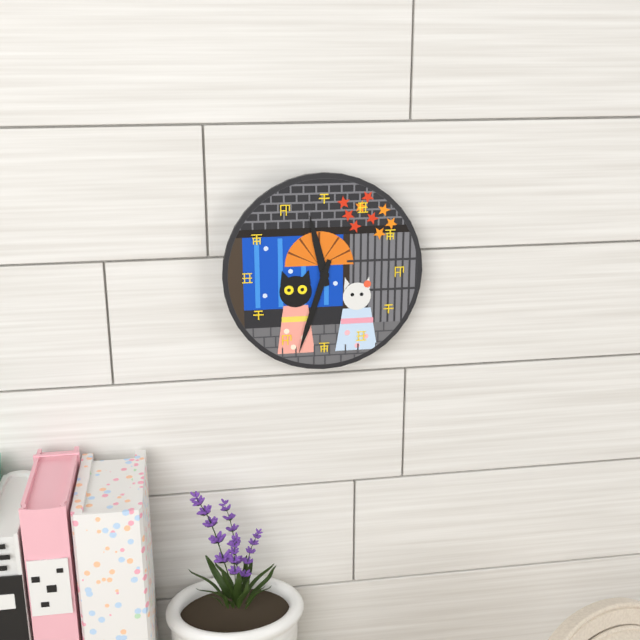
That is h=11 m=33
